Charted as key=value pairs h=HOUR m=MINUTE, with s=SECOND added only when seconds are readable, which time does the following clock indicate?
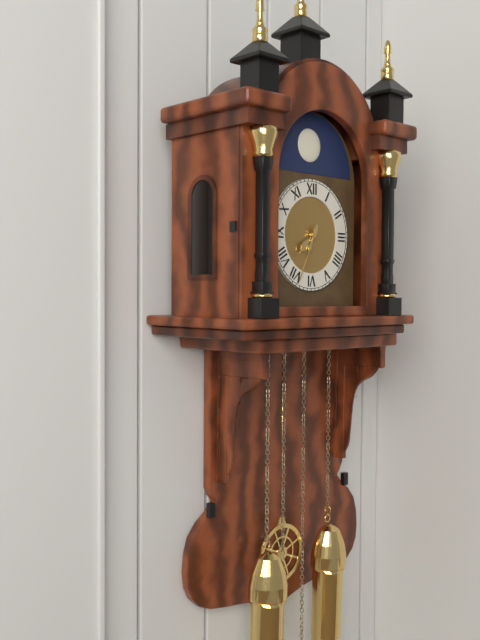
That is h=7 m=34
